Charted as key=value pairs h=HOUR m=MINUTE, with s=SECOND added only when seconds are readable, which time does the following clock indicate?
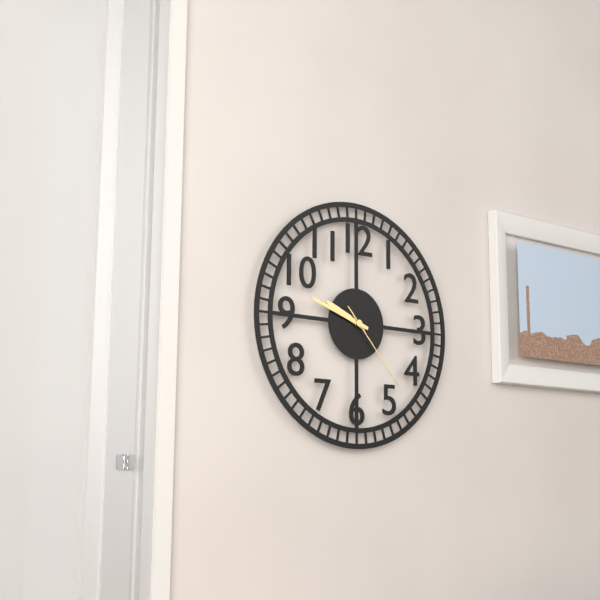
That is h=9 m=48 s=23
